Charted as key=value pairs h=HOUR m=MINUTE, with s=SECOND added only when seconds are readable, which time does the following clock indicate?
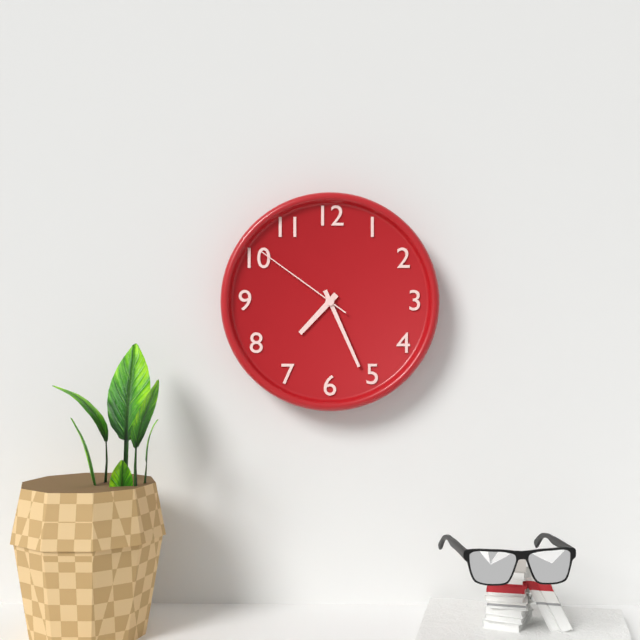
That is h=7 m=26 s=51
